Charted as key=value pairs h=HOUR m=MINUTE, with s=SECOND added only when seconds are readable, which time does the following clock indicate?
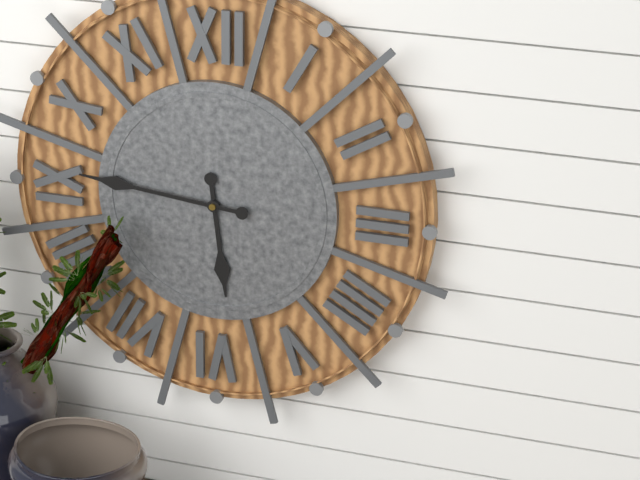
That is h=5 m=46
